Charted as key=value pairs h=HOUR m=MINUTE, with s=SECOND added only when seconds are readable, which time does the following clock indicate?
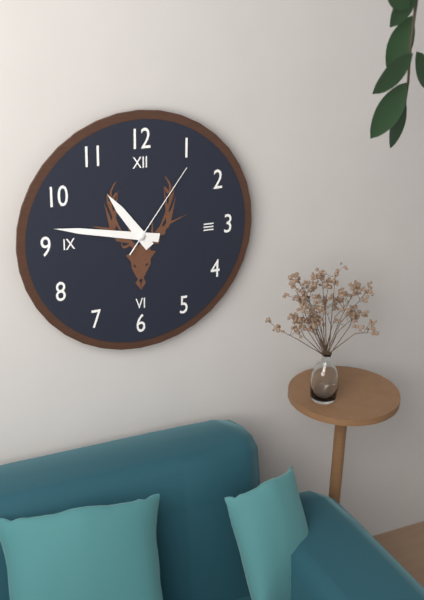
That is h=10 m=47 s=6
